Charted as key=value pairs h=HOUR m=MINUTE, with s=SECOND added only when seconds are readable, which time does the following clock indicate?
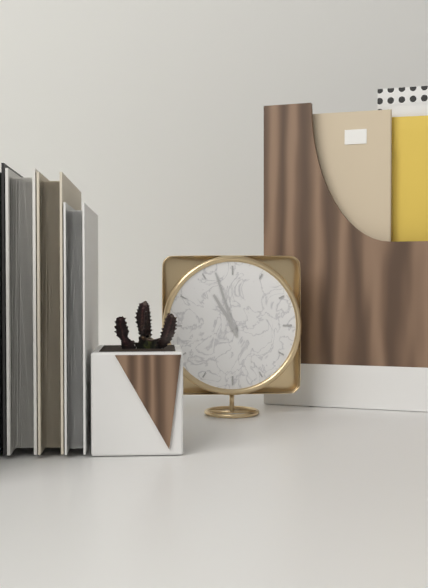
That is h=10 m=57
